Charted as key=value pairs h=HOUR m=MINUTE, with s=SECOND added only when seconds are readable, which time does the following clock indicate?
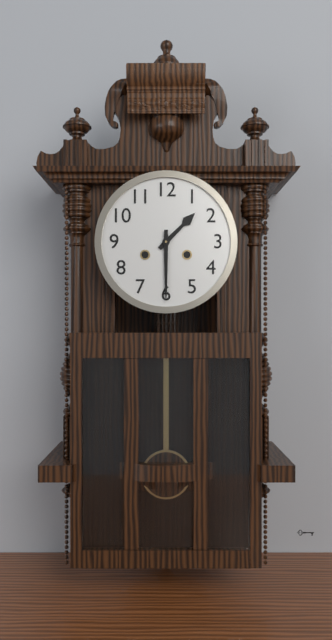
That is h=1 m=30
